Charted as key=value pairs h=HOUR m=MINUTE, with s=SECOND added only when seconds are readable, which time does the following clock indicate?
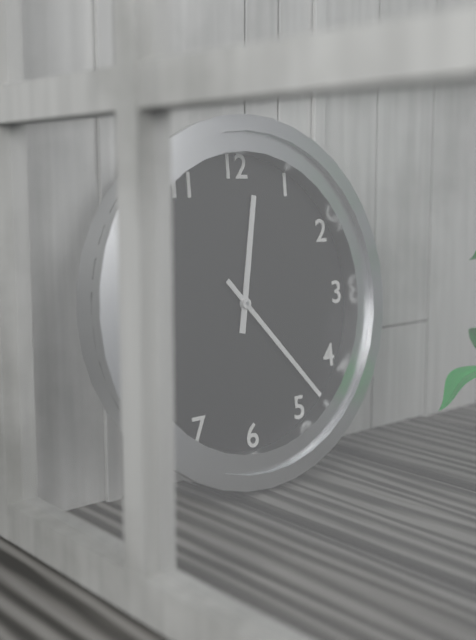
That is h=12 m=23
